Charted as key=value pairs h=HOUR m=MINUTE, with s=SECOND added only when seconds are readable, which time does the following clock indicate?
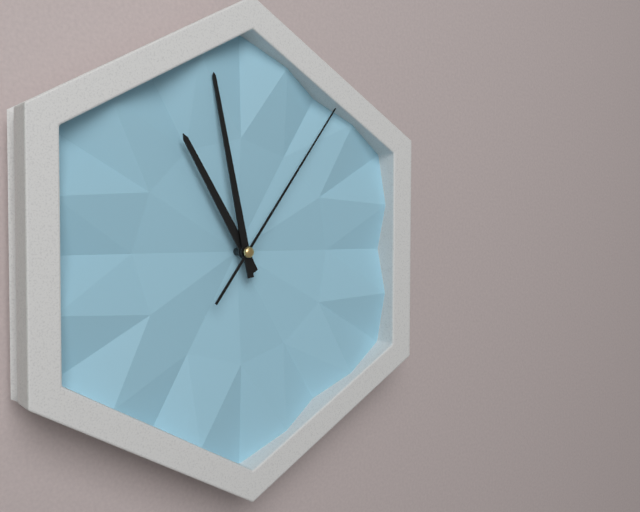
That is h=10 m=58 s=6
